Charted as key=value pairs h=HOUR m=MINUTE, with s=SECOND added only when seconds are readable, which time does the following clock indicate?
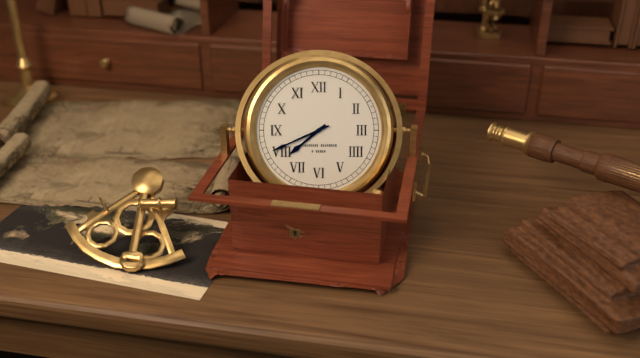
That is h=7 m=41
